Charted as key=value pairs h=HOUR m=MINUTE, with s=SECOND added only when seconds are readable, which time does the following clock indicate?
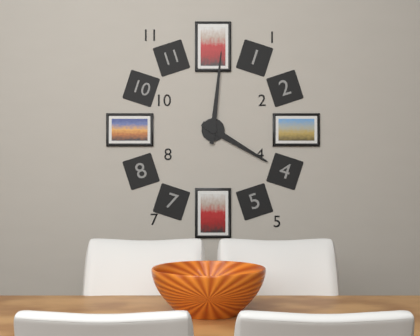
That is h=4 m=1
